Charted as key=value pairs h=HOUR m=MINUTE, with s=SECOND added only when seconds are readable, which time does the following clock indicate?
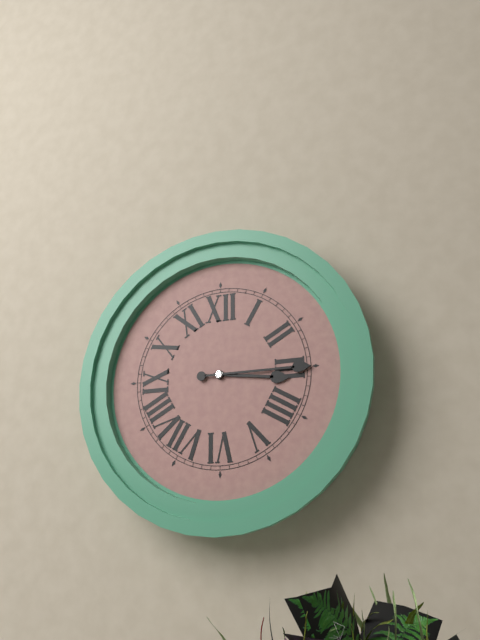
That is h=3 m=15
